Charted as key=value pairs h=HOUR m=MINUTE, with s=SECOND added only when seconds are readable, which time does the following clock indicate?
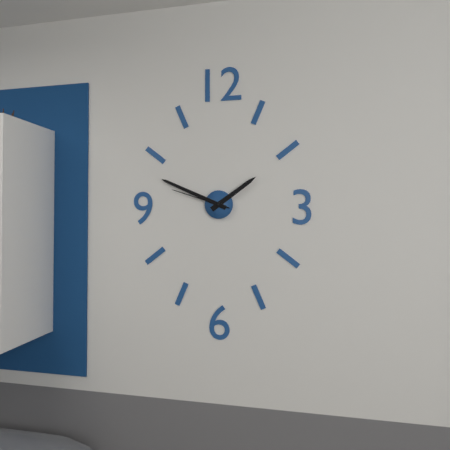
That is h=1 m=49 s=48
